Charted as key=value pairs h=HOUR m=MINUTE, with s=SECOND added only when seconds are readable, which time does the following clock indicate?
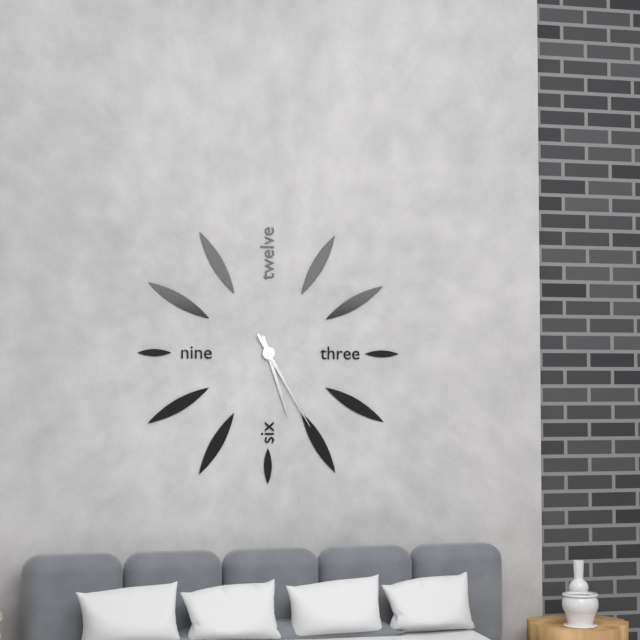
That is h=5 m=25
